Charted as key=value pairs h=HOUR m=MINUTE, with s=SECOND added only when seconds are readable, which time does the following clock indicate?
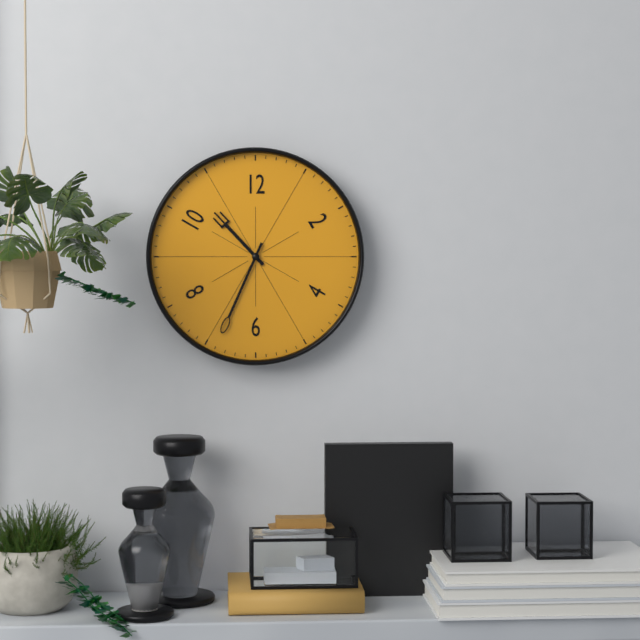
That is h=10 m=34
